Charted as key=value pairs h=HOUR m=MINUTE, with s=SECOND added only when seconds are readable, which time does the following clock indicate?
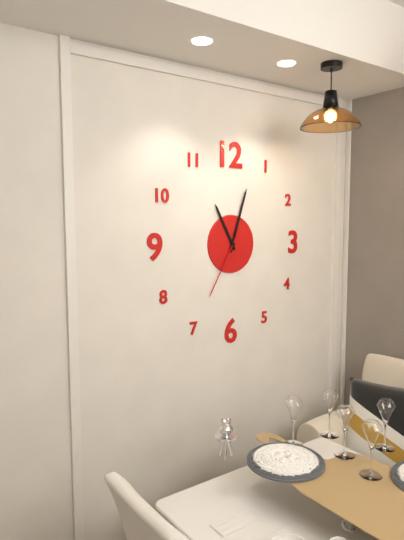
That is h=11 m=3 s=35
